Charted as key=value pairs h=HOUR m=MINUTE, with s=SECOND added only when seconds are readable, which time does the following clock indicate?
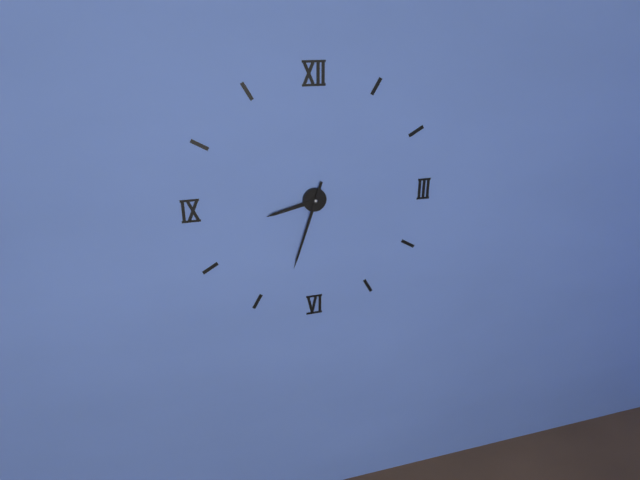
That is h=8 m=33
